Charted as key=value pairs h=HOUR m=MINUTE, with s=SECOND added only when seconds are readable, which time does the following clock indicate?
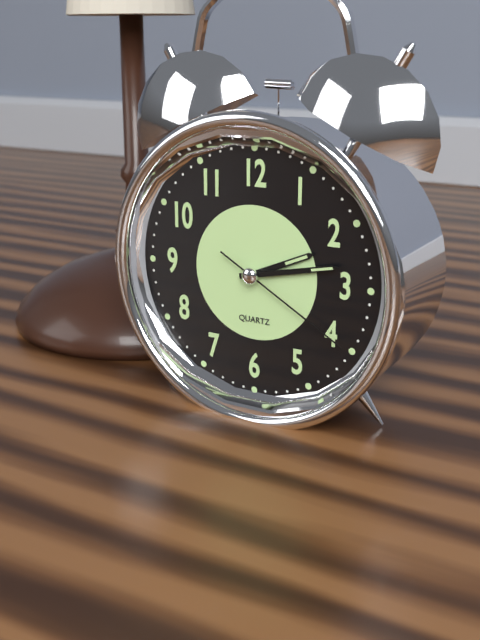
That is h=2 m=13 s=20
